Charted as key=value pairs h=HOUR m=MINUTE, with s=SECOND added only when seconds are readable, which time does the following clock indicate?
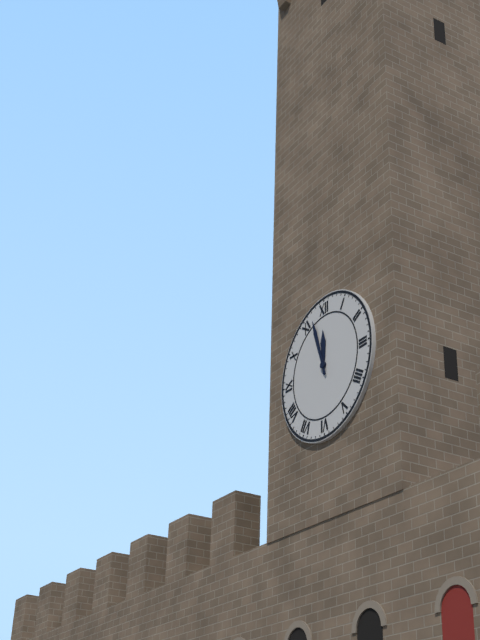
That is h=11 m=57
